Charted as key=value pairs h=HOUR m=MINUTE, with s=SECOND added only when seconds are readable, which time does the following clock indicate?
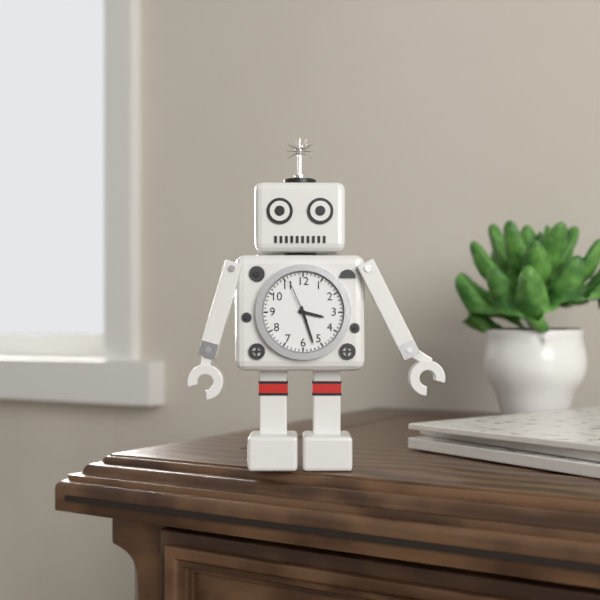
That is h=3 m=27
